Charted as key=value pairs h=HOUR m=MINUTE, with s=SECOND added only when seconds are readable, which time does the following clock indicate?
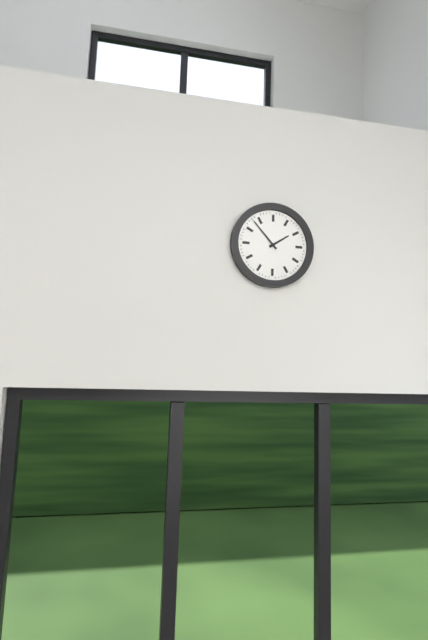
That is h=1 m=53
